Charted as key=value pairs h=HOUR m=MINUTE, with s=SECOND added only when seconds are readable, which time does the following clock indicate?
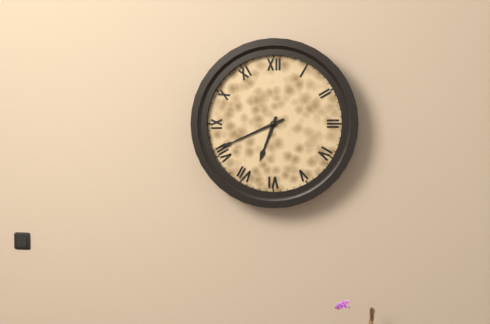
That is h=6 m=41
